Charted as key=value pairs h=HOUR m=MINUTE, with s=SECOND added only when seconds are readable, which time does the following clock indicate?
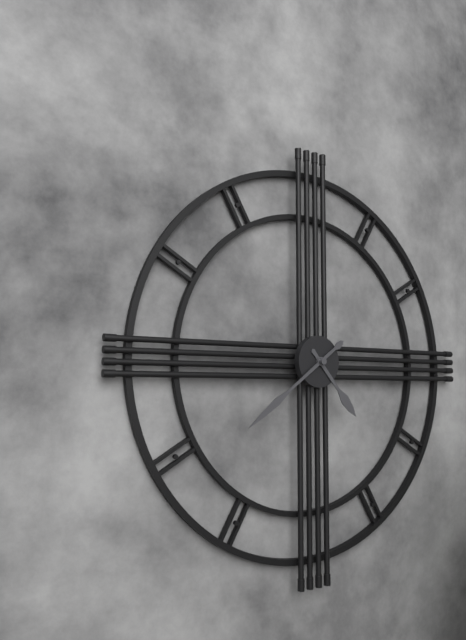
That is h=4 m=39
